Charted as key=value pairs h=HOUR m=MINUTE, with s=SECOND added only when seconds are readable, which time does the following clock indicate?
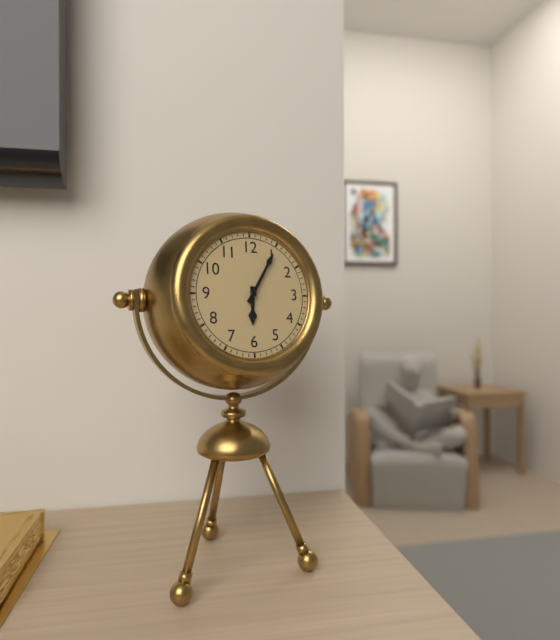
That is h=6 m=5
